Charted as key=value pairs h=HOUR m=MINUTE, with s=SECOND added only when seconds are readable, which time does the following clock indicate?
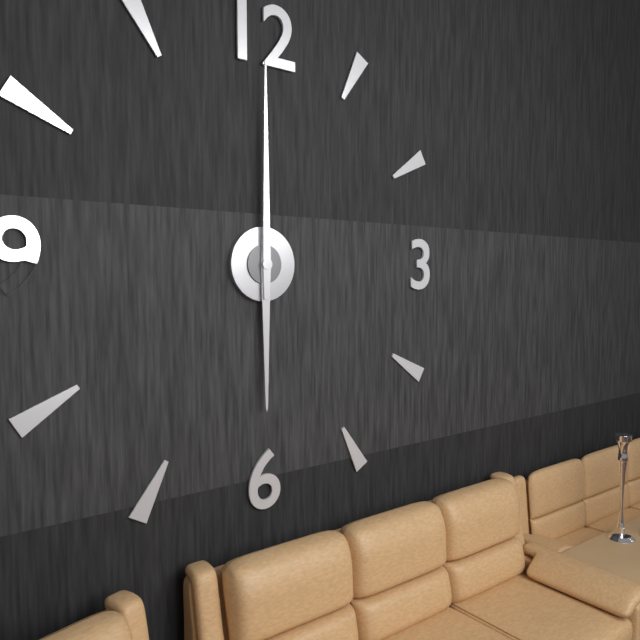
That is h=6 m=0
